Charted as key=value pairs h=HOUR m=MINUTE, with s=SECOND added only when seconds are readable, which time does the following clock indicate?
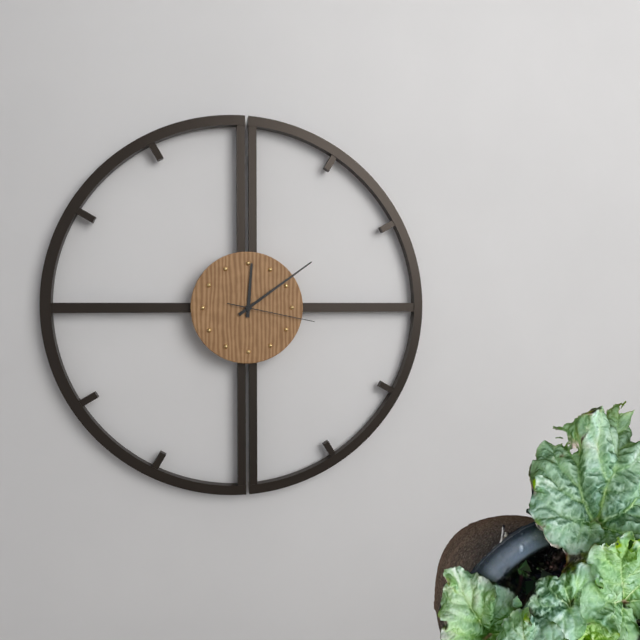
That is h=12 m=9 s=17
